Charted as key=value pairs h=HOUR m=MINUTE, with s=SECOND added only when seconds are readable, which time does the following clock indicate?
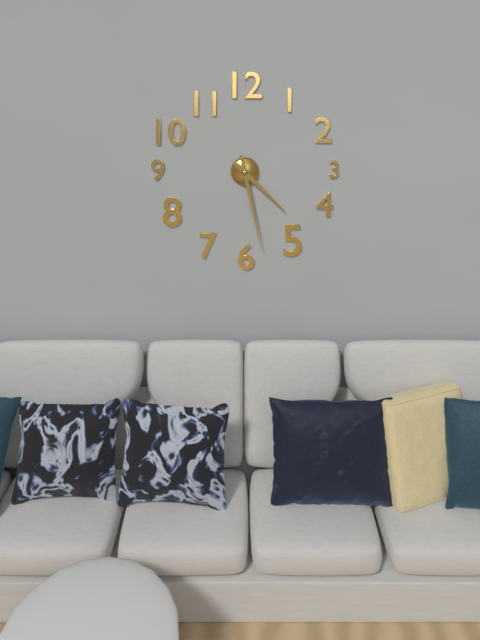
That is h=4 m=28
